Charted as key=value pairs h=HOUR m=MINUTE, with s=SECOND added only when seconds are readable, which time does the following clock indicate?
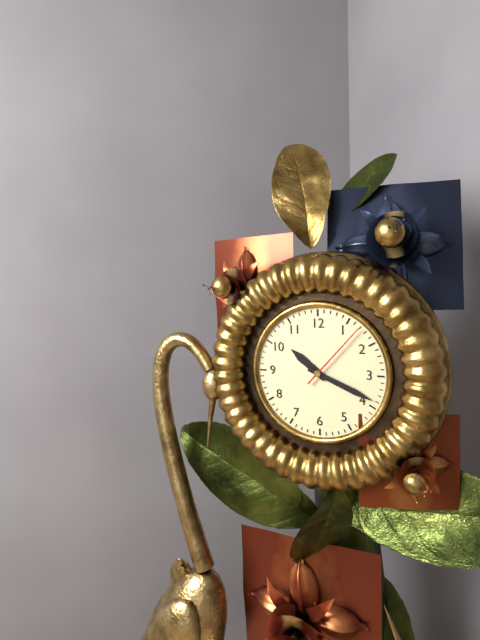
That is h=10 m=19 s=7
